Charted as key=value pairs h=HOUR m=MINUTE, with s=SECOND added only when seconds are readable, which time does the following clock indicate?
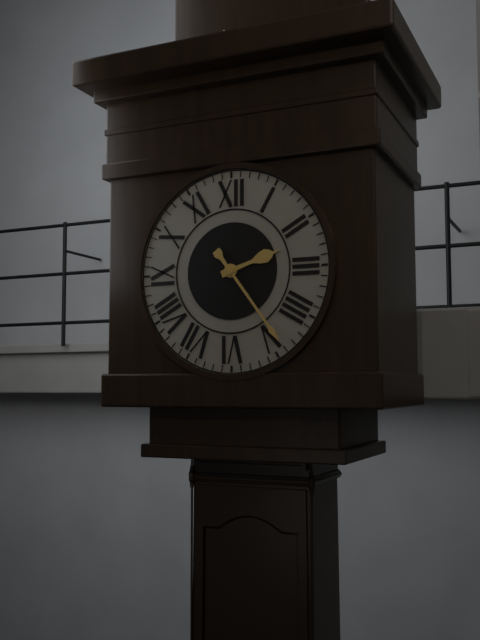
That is h=2 m=24
